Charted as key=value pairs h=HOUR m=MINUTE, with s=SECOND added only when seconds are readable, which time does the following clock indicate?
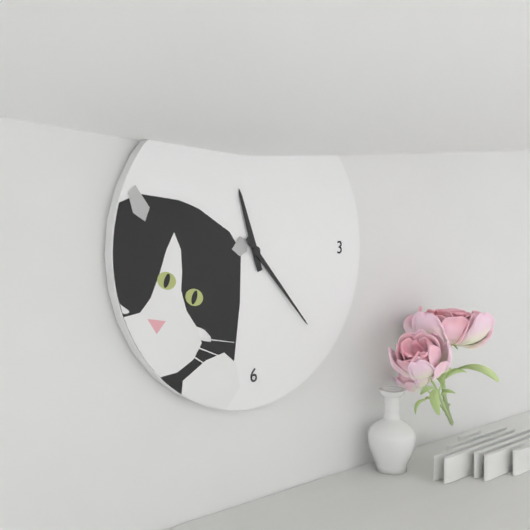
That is h=11 m=23
